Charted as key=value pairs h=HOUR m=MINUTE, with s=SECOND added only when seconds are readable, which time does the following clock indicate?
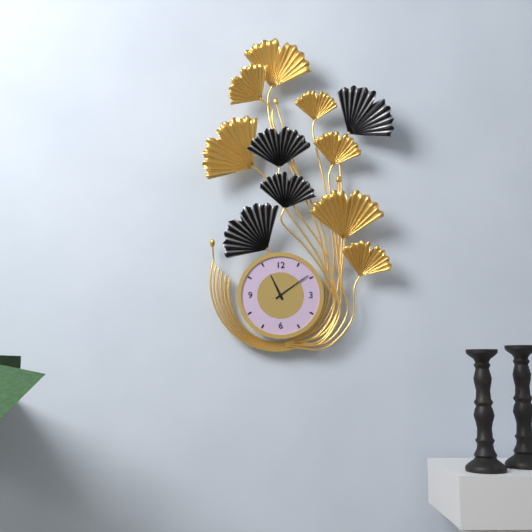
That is h=11 m=9
